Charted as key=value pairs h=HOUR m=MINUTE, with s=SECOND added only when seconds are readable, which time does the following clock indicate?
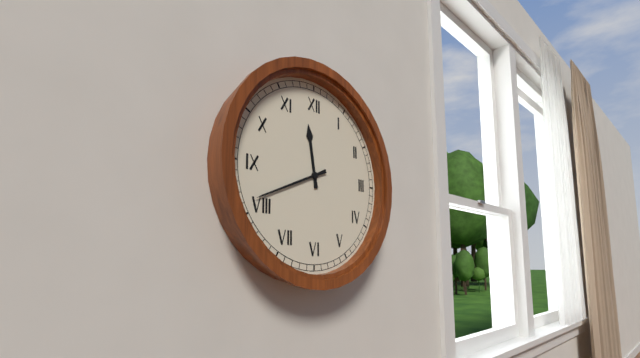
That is h=11 m=41
